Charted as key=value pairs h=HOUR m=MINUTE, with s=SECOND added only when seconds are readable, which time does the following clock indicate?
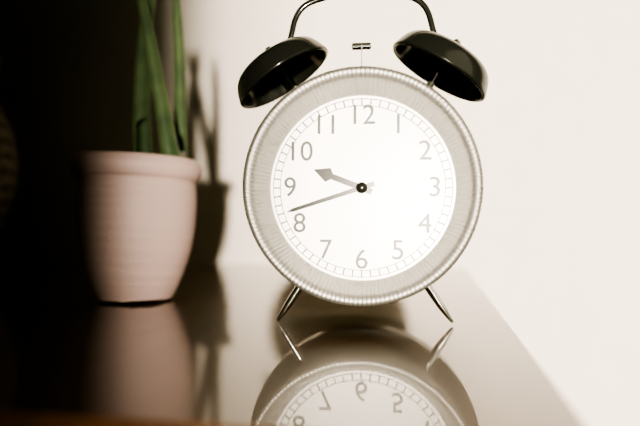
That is h=9 m=42
